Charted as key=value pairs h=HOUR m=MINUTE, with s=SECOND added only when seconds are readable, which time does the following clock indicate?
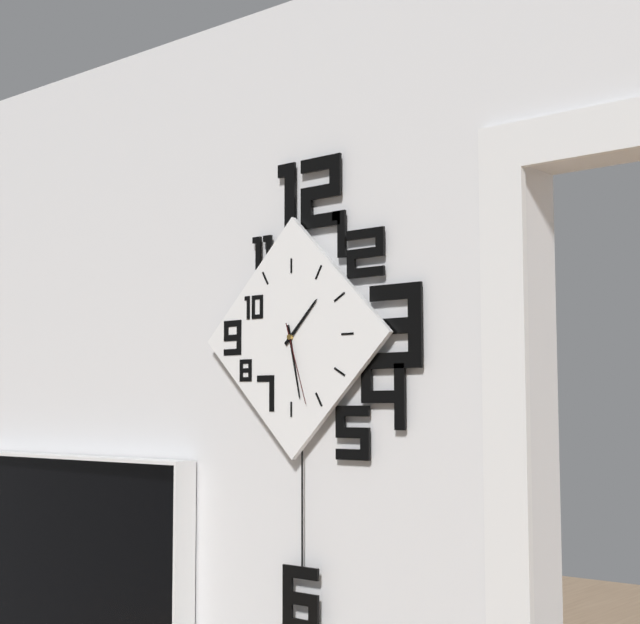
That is h=1 m=28 s=27
